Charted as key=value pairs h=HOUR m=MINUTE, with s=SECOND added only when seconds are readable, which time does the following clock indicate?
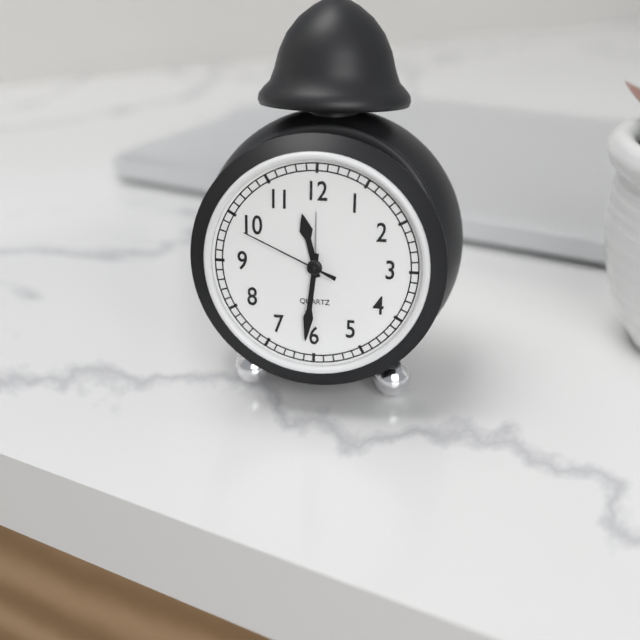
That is h=11 m=31 s=49
